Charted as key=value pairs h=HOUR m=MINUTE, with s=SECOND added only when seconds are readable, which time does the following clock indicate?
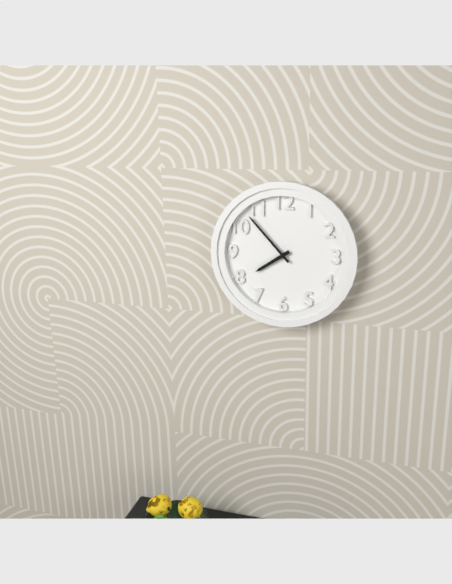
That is h=7 m=53
